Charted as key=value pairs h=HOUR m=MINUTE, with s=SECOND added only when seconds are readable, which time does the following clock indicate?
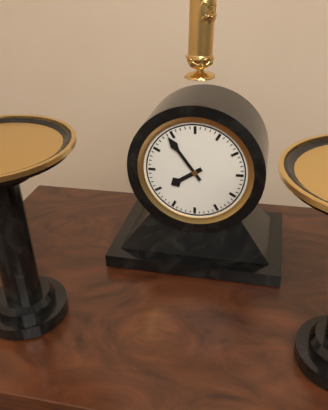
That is h=7 m=54
